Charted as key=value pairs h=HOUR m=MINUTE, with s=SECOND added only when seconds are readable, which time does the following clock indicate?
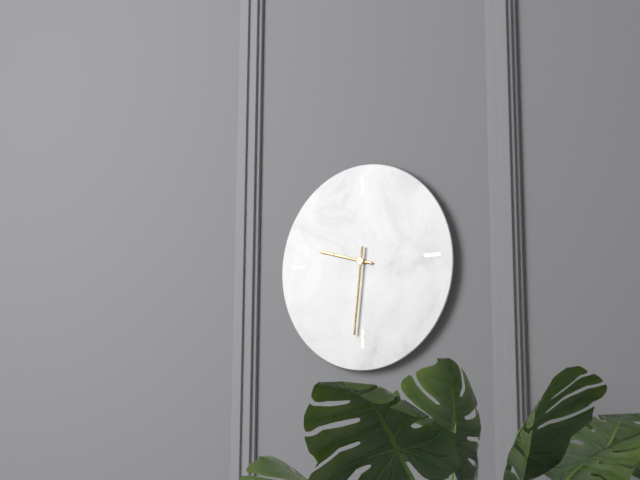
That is h=9 m=31
